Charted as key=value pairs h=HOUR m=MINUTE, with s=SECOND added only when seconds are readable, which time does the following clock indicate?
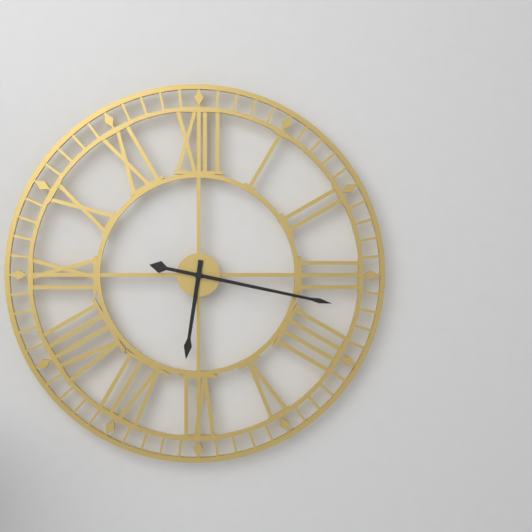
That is h=6 m=17
